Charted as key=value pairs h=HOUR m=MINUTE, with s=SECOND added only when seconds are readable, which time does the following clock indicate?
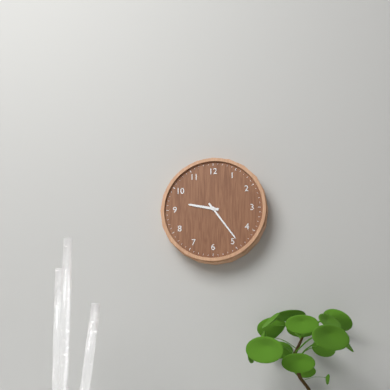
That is h=9 m=24
